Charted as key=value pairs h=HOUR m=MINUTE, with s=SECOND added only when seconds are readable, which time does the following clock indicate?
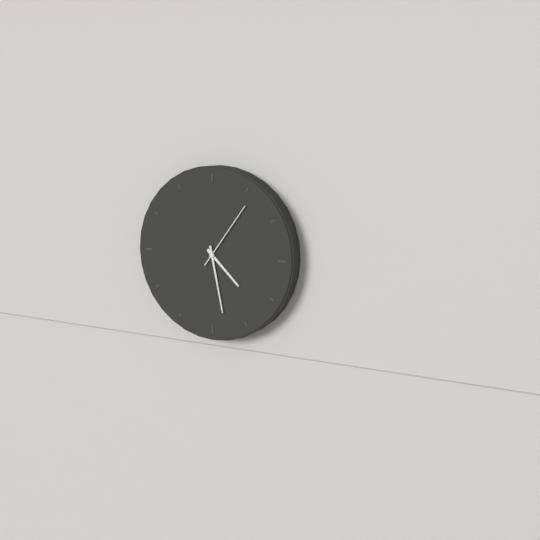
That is h=4 m=28 s=6
